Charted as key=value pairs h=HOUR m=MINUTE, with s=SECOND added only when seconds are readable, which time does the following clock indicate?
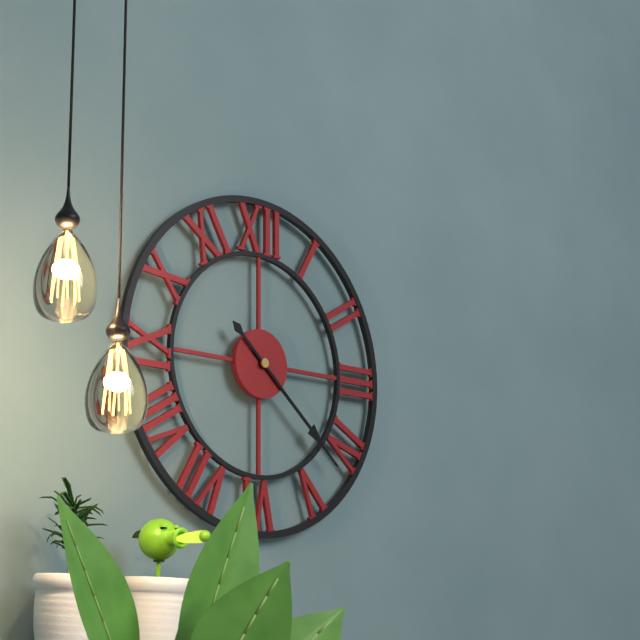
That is h=4 m=22
